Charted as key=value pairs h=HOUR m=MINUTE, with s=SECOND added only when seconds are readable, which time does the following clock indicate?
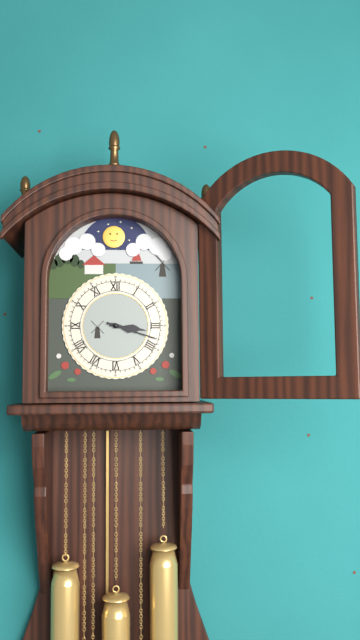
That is h=3 m=18
